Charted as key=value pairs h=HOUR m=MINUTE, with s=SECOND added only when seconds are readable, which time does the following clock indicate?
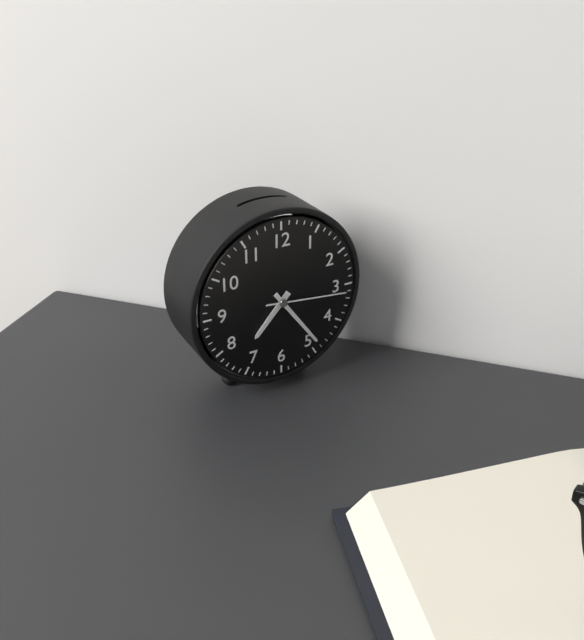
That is h=7 m=24 s=16
